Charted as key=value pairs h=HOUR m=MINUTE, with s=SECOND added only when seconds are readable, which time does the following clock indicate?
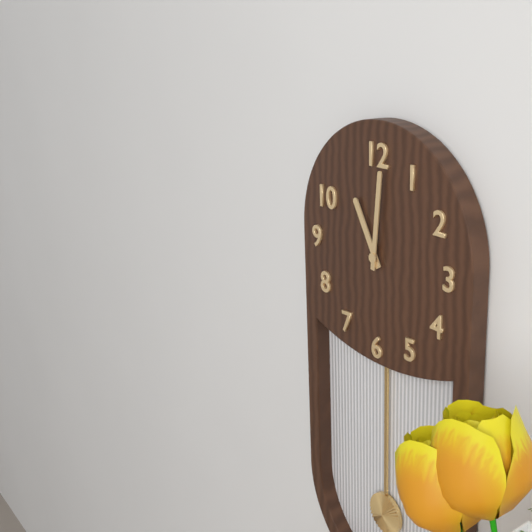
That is h=11 m=1
